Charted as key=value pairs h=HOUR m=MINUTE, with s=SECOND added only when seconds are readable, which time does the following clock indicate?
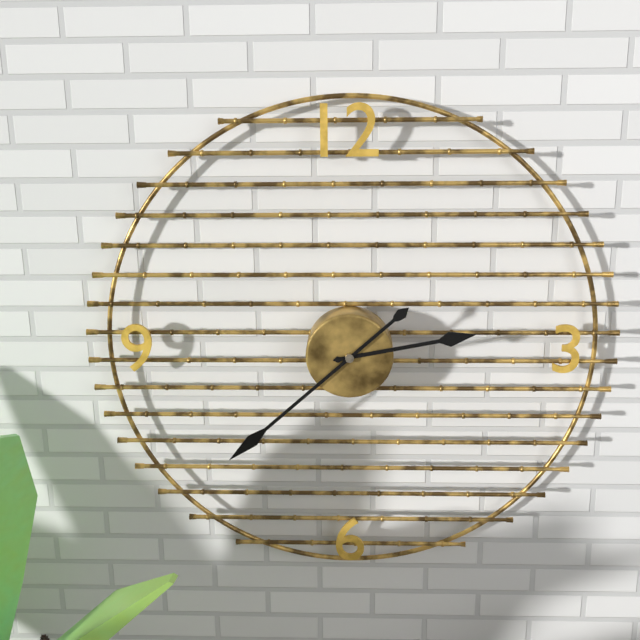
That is h=2 m=38
